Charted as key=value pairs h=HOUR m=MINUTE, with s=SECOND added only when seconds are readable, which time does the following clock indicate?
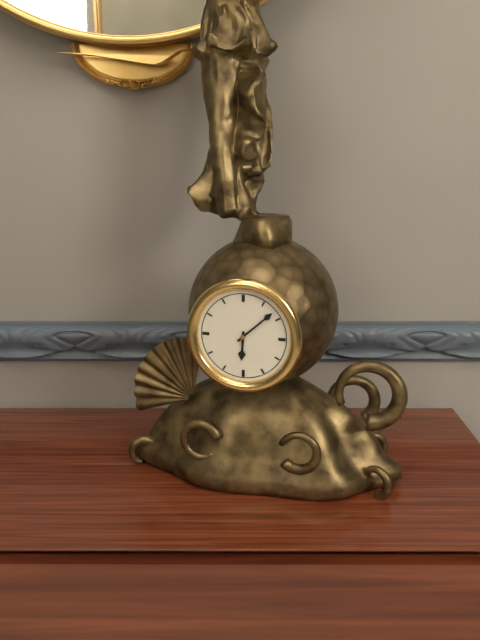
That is h=6 m=8
